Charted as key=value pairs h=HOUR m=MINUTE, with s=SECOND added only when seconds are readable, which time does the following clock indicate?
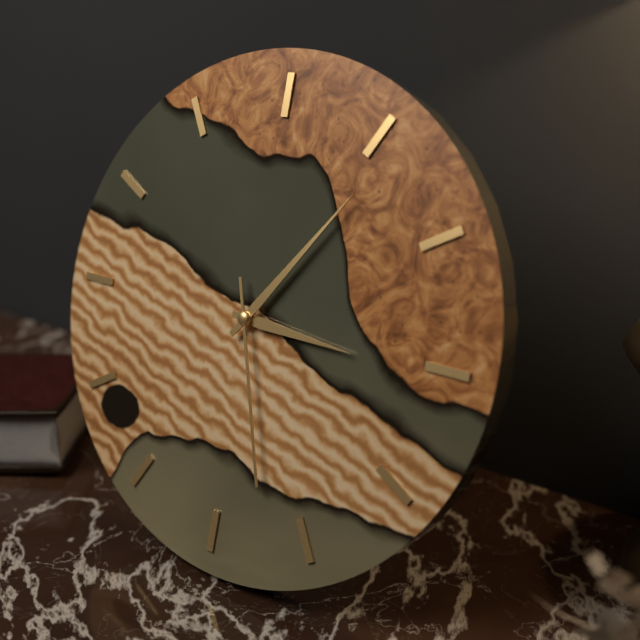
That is h=3 m=6 s=27
